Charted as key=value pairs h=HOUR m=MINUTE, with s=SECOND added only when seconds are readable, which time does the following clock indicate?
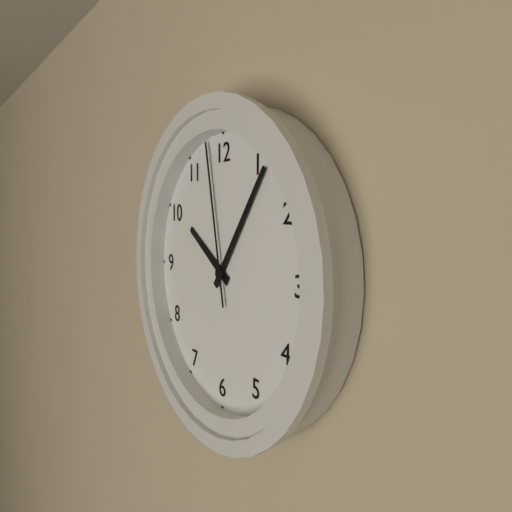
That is h=10 m=6 s=58
